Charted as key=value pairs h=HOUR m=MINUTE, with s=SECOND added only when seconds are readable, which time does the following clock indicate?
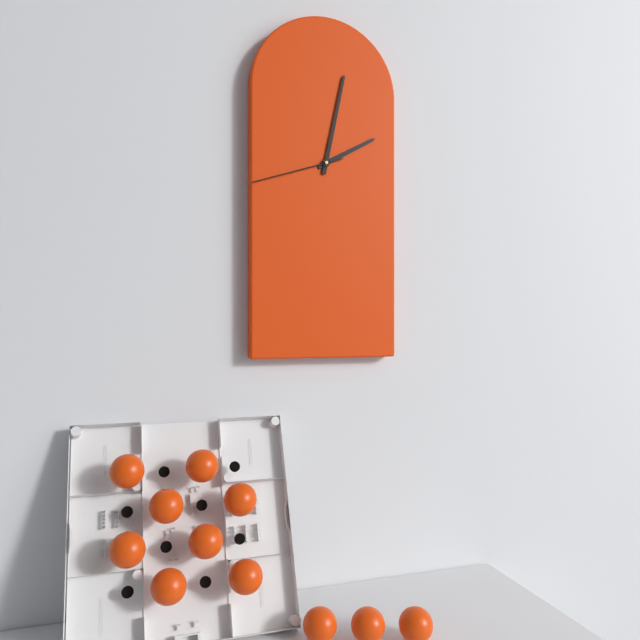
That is h=2 m=2 s=42
